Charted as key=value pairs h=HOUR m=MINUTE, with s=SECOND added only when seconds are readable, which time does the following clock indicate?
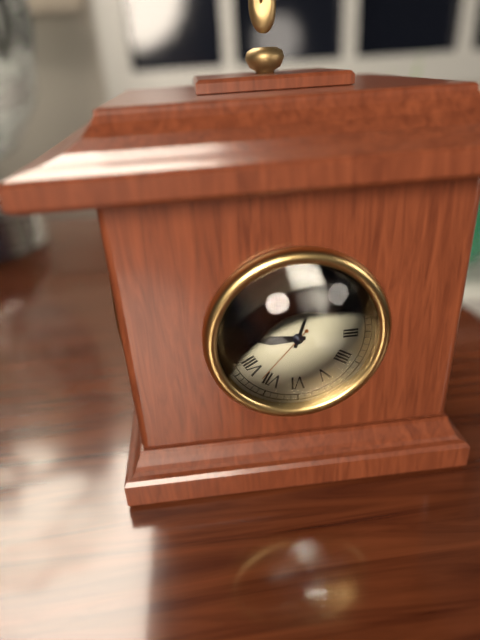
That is h=9 m=3 s=37
